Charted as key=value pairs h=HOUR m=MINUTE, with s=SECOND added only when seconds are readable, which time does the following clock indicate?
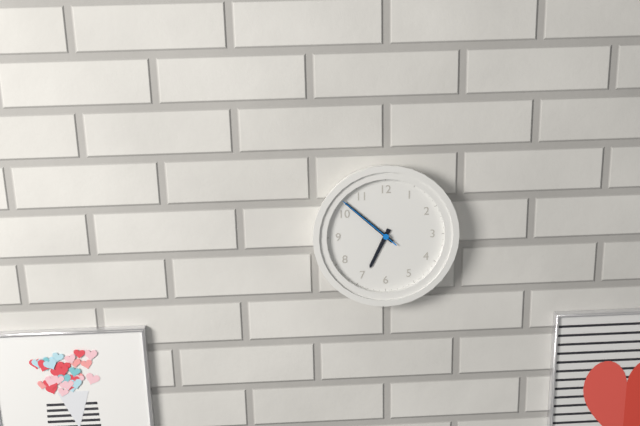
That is h=6 m=52 s=52
